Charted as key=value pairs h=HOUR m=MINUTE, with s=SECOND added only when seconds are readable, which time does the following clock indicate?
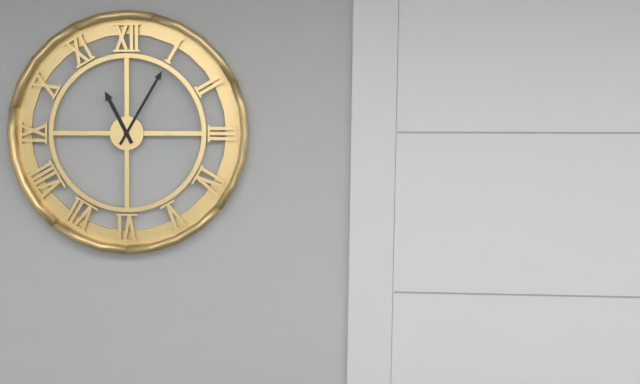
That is h=11 m=5
